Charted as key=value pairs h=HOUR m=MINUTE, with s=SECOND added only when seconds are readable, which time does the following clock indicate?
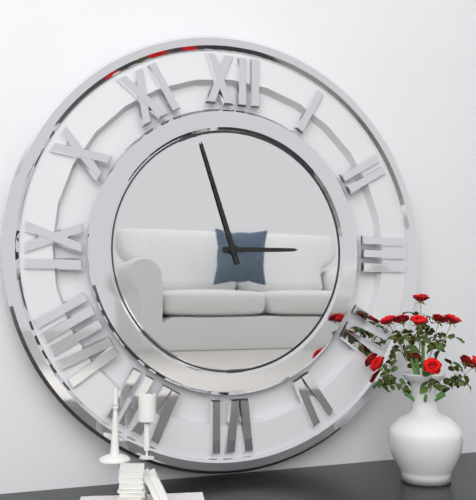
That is h=2 m=57
